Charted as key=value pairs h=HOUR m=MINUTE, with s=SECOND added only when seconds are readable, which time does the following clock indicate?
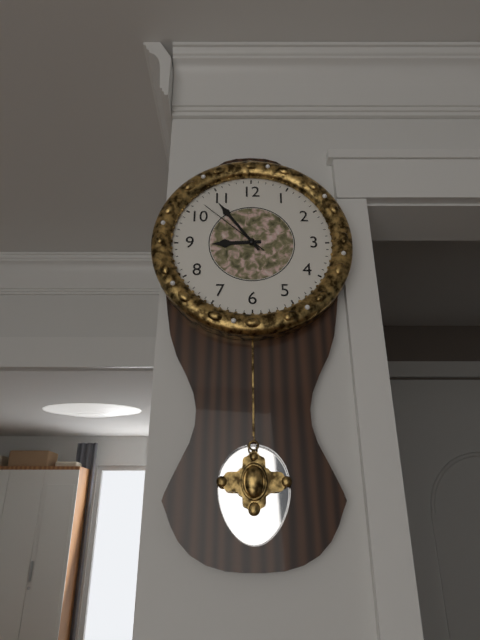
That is h=8 m=54 s=52
